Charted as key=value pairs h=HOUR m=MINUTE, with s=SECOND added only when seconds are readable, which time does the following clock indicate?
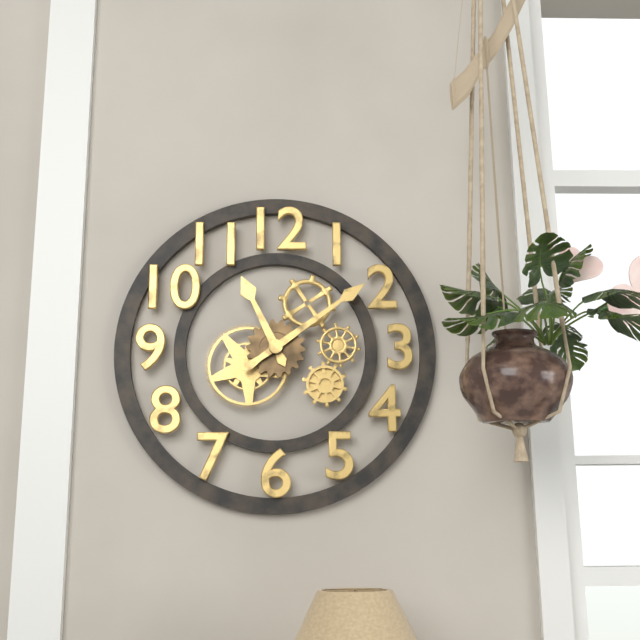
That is h=11 m=9
